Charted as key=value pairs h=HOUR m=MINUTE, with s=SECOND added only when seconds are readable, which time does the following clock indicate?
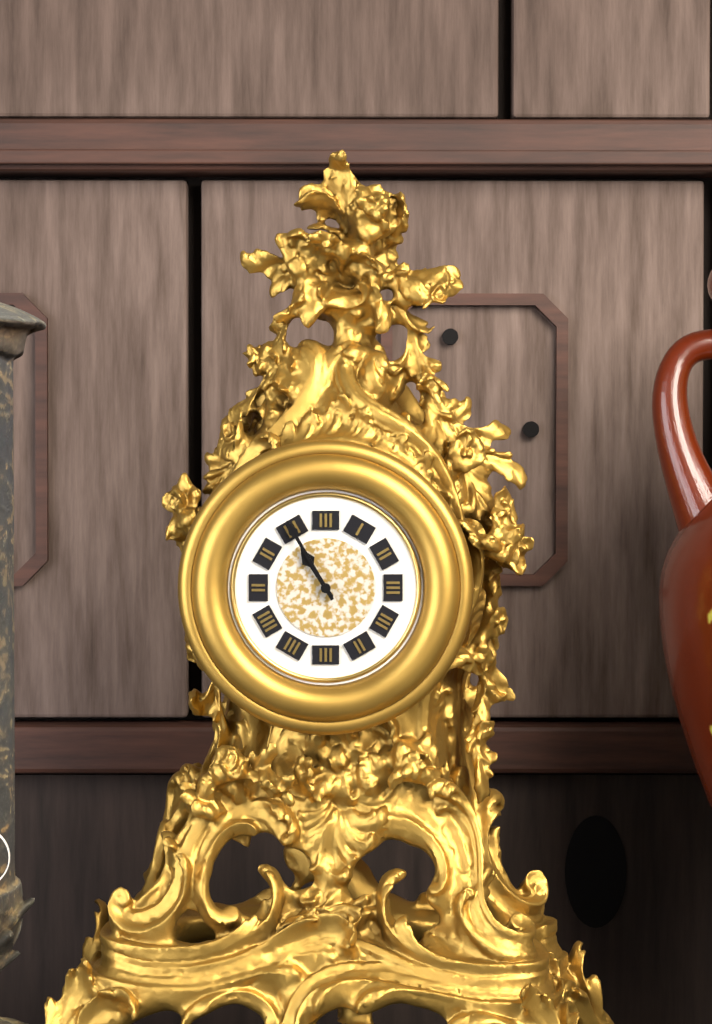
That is h=10 m=55
